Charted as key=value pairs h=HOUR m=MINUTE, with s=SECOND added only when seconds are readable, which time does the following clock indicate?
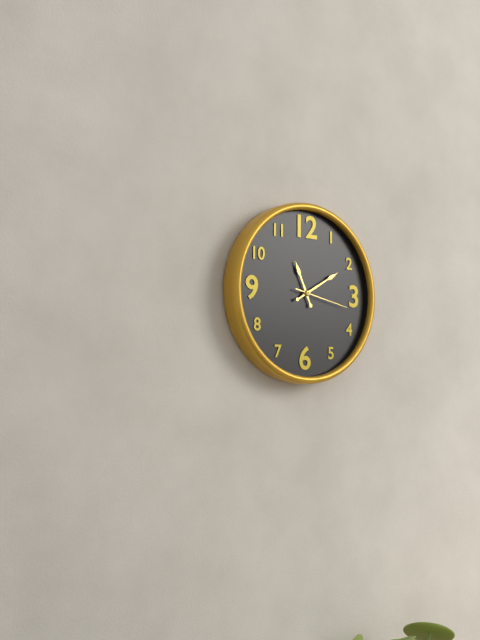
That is h=11 m=10 s=17
